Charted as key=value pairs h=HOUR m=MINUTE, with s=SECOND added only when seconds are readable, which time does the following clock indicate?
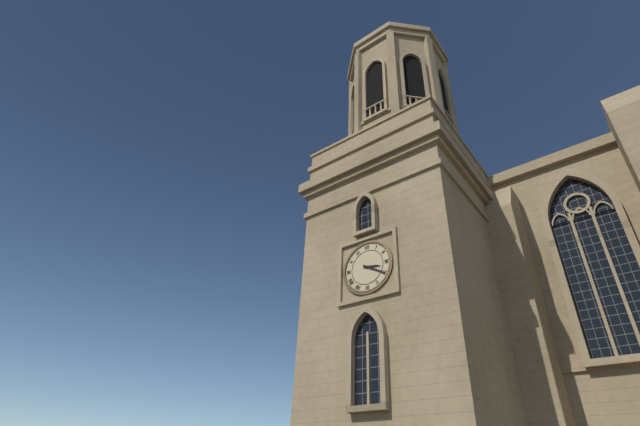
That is h=3 m=20
